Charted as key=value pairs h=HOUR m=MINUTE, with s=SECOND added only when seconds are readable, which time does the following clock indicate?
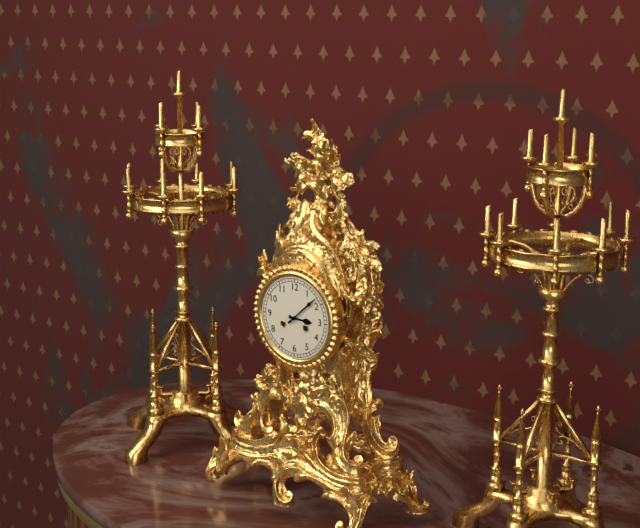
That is h=3 m=8
